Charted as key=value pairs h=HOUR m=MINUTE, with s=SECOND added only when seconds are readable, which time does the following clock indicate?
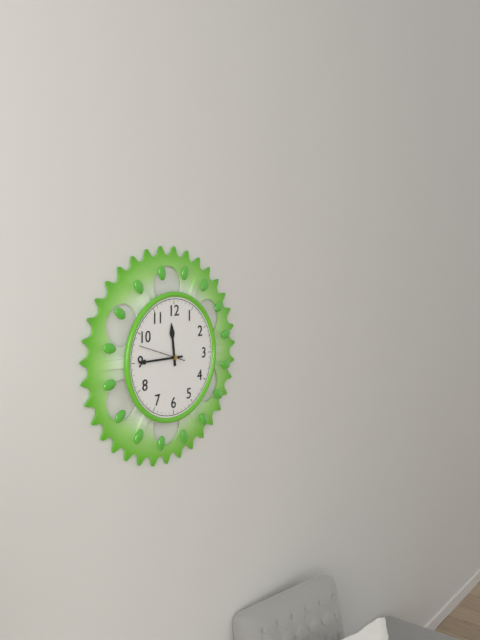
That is h=11 m=45
